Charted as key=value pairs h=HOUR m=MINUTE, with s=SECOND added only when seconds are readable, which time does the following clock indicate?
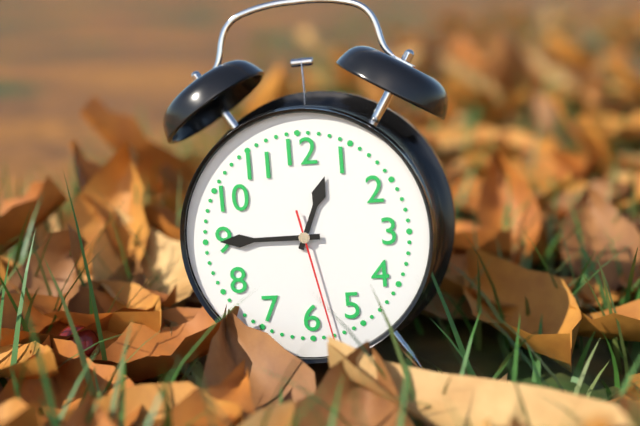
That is h=12 m=45 s=28
